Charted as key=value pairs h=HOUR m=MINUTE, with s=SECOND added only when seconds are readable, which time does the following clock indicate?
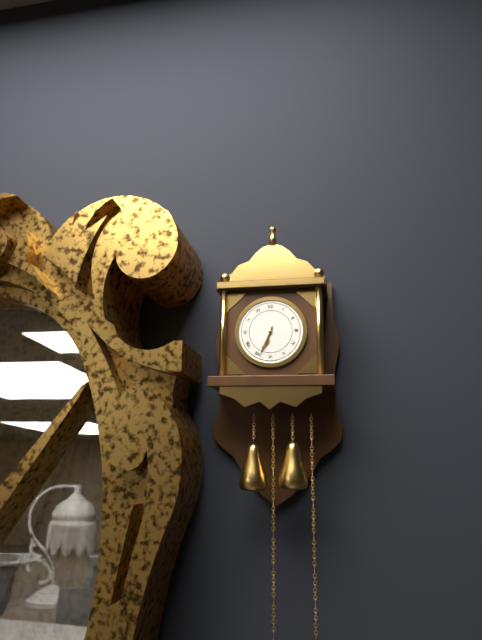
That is h=6 m=34
